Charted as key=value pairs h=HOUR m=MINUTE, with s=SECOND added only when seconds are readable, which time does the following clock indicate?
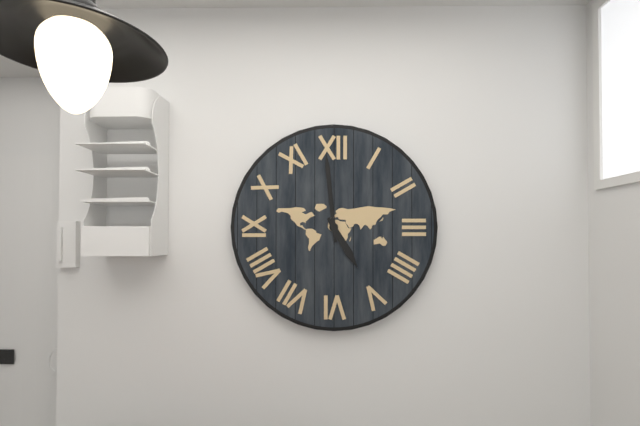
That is h=4 m=59
